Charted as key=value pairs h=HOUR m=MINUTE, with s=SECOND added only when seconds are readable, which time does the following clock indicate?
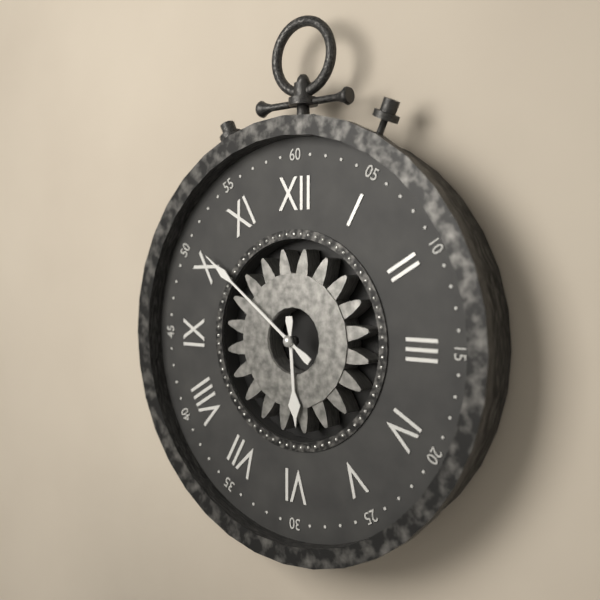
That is h=5 m=51
